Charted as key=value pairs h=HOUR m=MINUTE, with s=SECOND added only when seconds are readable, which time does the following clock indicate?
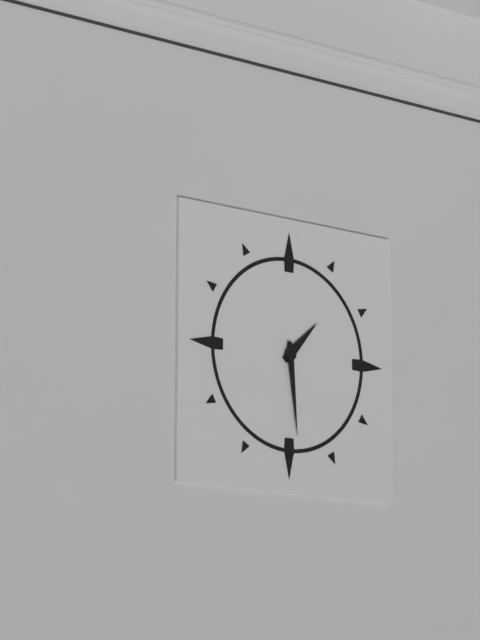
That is h=1 m=29
